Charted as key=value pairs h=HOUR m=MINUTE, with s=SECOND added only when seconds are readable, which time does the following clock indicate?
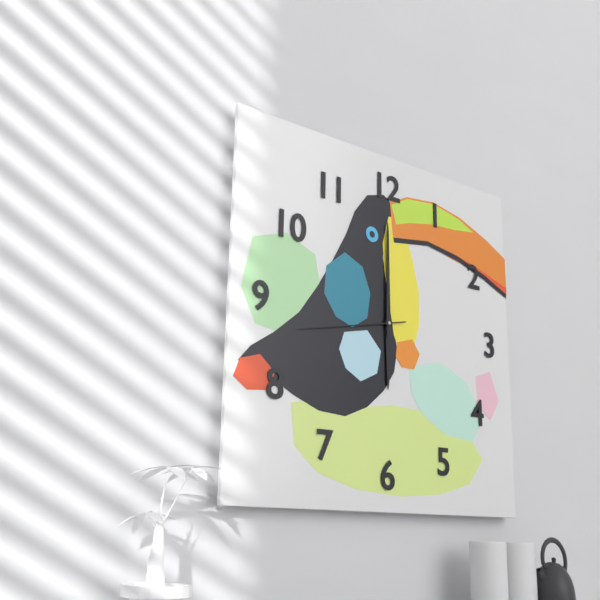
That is h=6 m=0 s=43
